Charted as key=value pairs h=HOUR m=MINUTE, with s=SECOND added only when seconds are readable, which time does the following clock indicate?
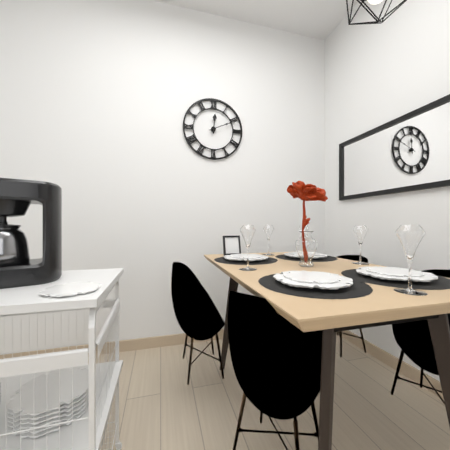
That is h=12 m=11
